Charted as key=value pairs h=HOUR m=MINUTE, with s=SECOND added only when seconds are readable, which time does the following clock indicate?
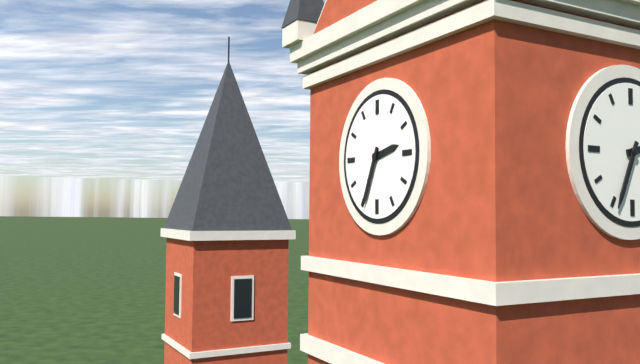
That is h=2 m=34
